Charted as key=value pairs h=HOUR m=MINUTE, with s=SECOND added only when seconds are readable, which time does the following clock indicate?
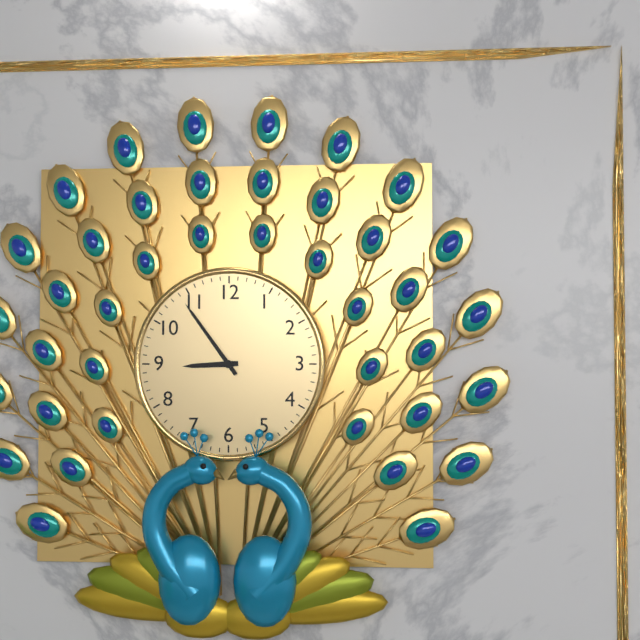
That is h=8 m=54
